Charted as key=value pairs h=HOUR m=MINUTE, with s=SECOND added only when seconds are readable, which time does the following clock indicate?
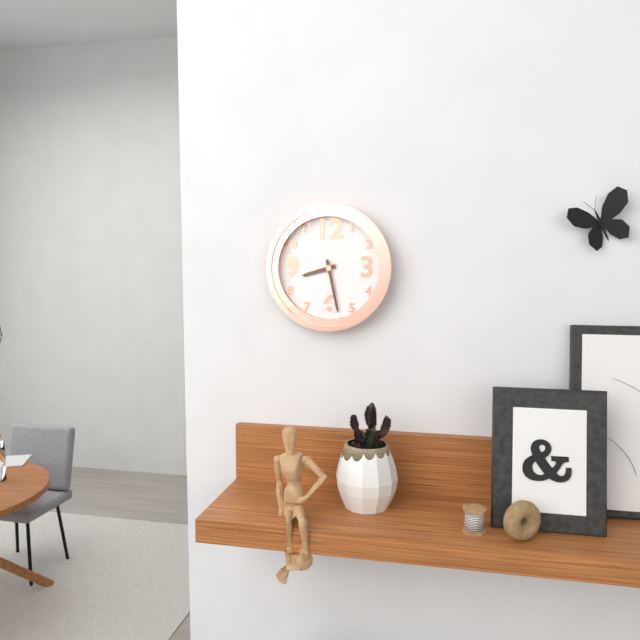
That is h=8 m=28
